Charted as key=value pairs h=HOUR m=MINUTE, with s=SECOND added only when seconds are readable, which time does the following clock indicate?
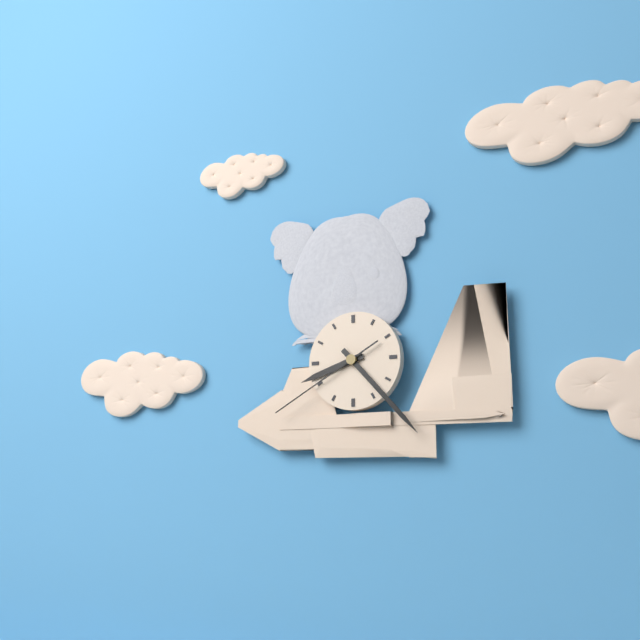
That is h=8 m=23 s=40
